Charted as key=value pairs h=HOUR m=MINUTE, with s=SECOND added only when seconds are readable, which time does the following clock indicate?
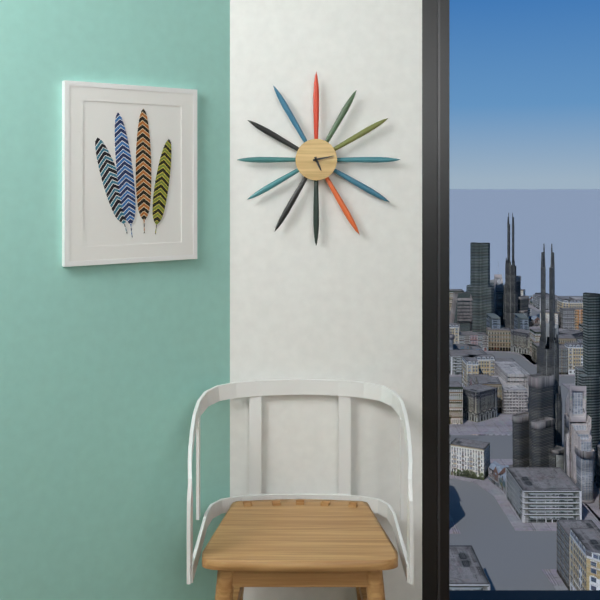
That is h=5 m=13
